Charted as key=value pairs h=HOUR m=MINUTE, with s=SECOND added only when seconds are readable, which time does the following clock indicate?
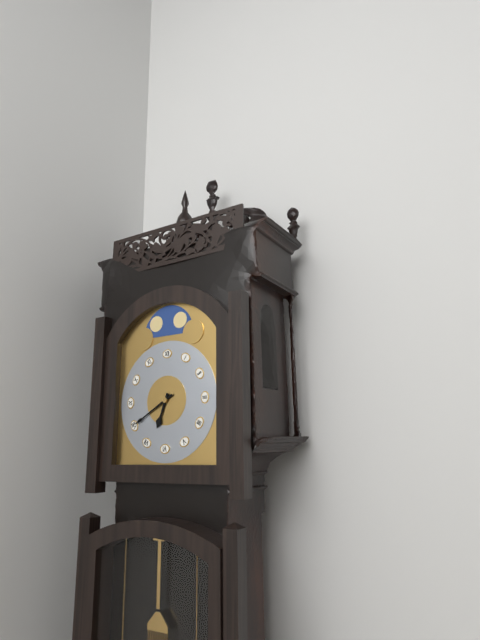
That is h=6 m=40
